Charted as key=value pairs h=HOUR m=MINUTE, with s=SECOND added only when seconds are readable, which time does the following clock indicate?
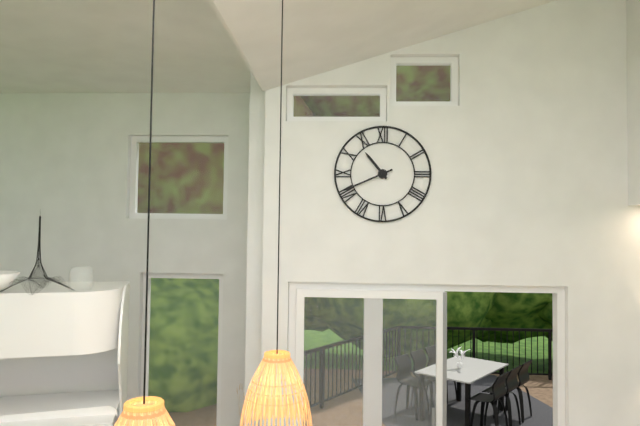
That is h=10 m=41
